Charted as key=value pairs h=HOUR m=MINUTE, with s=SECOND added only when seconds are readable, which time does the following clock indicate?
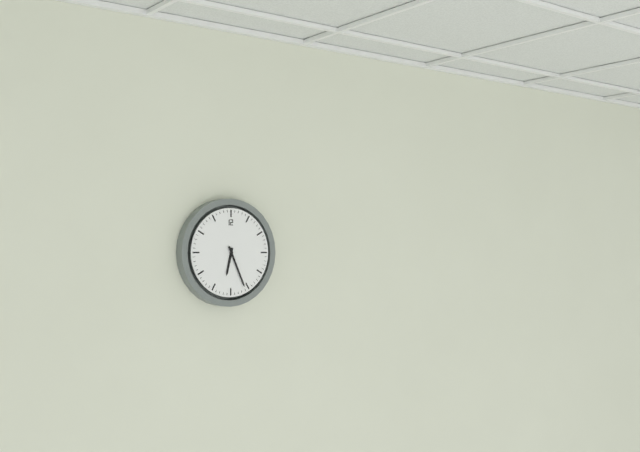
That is h=6 m=26
